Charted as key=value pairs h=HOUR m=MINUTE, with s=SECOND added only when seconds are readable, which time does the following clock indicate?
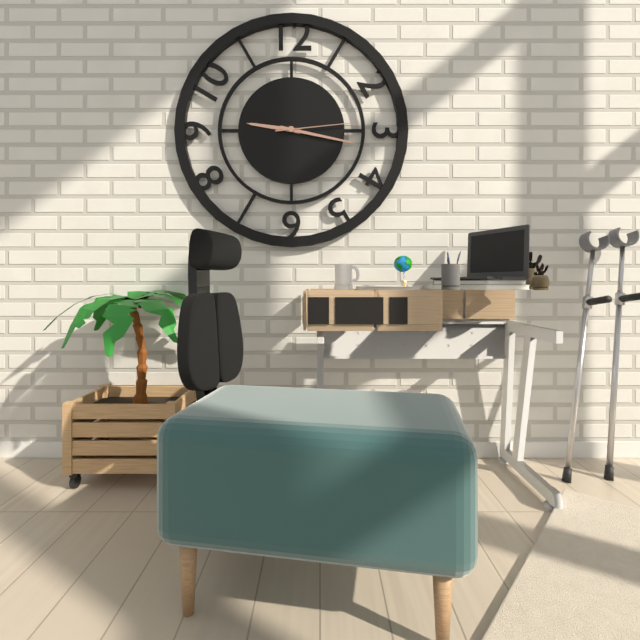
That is h=9 m=17 s=14
